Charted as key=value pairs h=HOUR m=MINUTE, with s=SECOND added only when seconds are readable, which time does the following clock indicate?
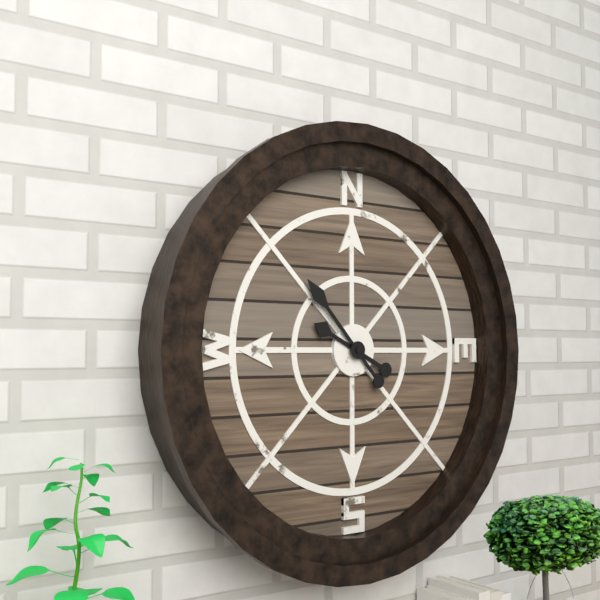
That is h=9 m=53
